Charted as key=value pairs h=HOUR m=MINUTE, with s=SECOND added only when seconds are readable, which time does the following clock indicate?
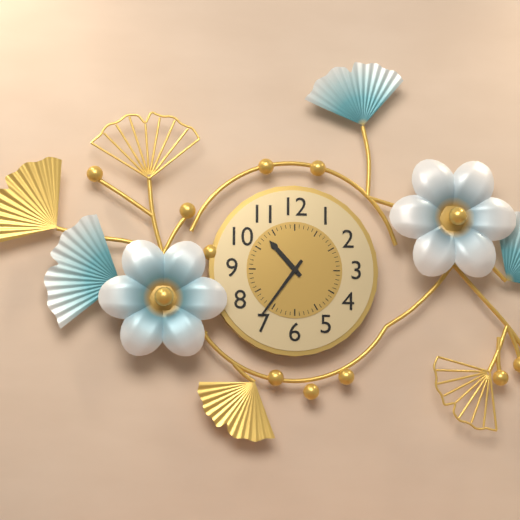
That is h=10 m=36
